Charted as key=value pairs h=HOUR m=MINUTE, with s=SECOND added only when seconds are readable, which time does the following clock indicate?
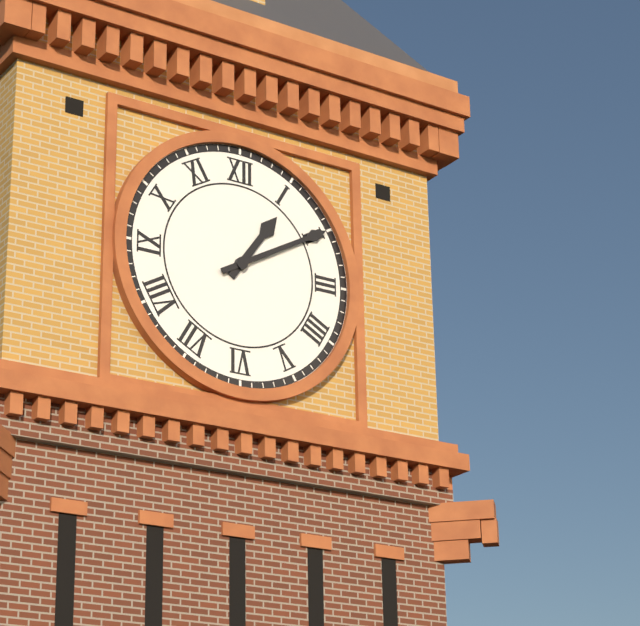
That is h=1 m=10
